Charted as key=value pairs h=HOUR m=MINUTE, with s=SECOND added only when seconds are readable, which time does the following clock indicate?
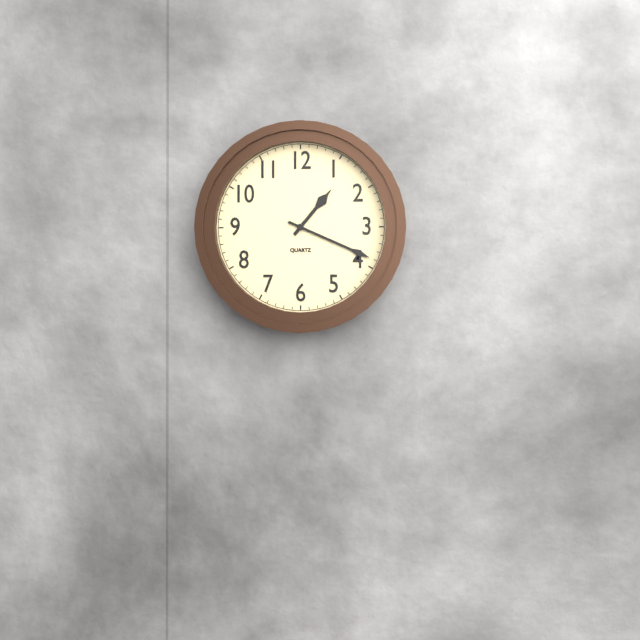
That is h=1 m=19
